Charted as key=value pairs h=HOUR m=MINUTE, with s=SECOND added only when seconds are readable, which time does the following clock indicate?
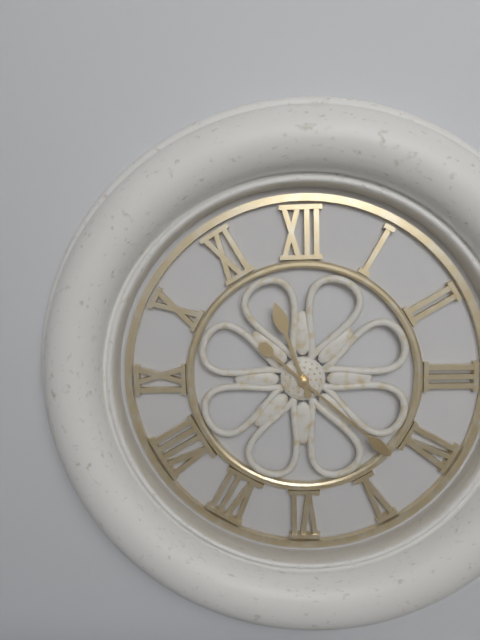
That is h=11 m=22
